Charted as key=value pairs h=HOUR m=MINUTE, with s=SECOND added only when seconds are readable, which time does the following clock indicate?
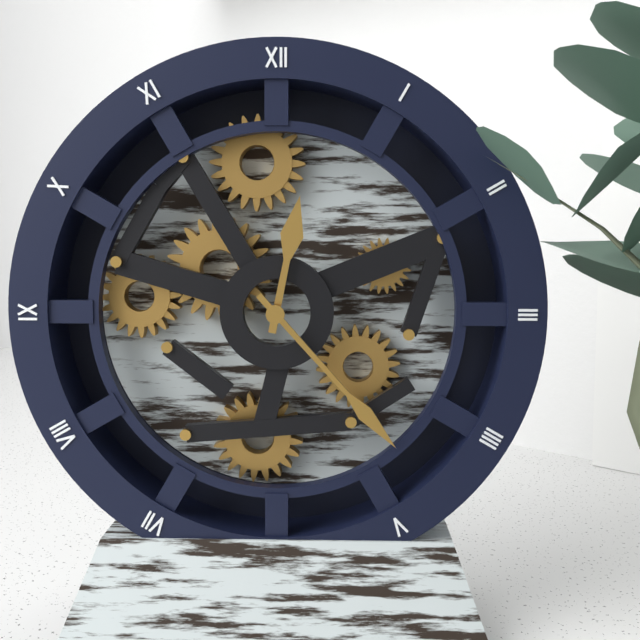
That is h=12 m=23
